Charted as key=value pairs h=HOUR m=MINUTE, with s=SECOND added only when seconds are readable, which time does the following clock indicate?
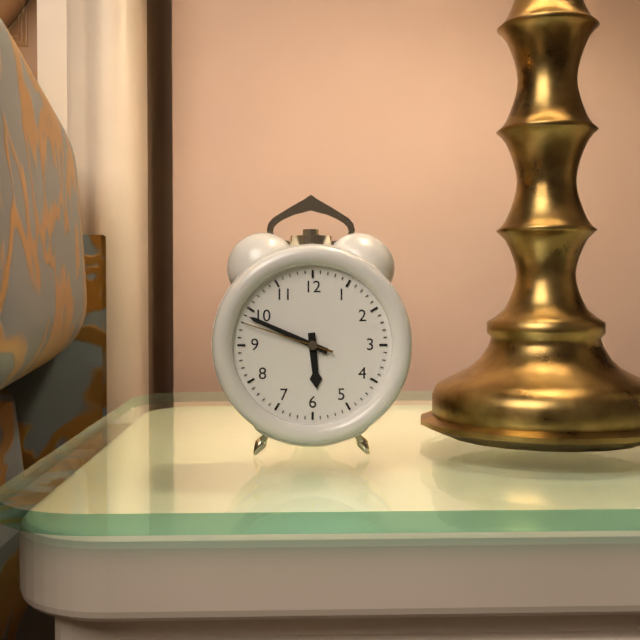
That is h=5 m=49 s=48
